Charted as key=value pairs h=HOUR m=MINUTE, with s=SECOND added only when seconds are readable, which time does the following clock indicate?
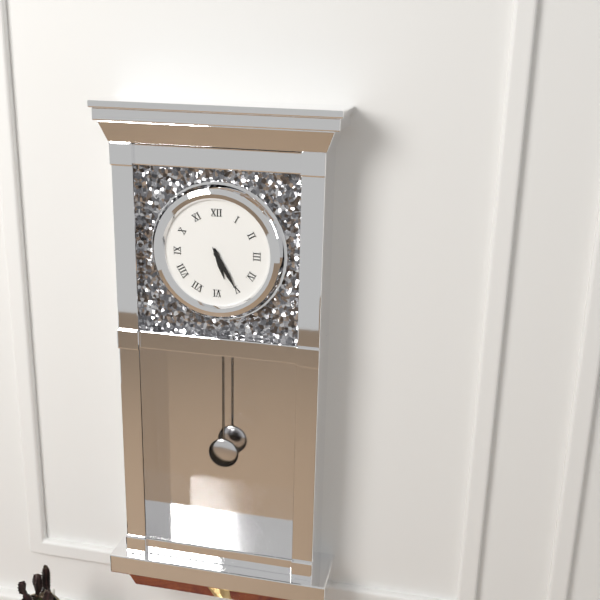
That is h=5 m=25
